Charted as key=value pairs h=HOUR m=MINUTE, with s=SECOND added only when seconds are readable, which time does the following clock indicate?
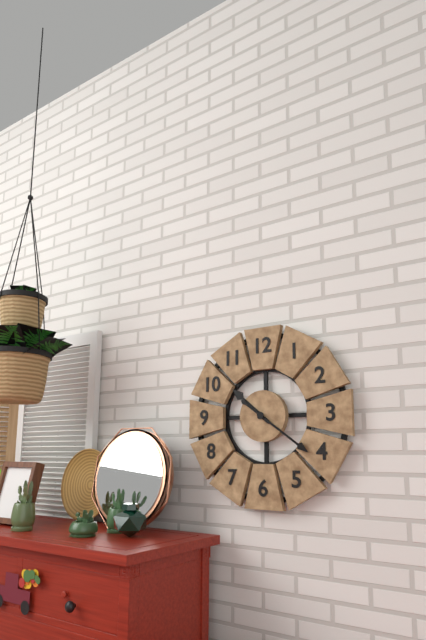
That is h=10 m=21
